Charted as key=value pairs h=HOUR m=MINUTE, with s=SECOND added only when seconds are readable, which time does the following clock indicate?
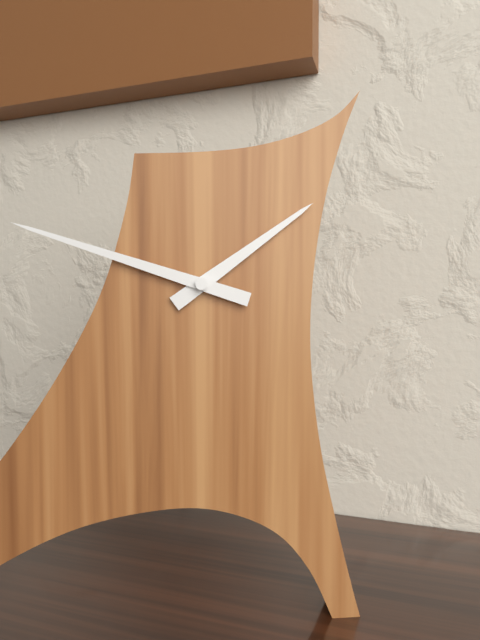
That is h=1 m=48
